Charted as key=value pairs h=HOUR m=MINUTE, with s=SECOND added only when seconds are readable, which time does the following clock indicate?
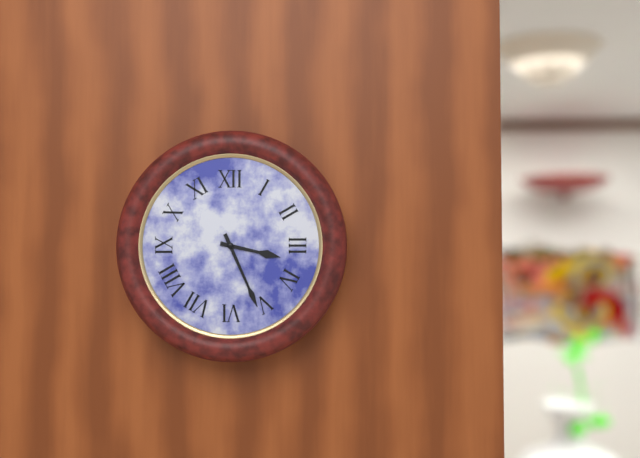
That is h=3 m=26
